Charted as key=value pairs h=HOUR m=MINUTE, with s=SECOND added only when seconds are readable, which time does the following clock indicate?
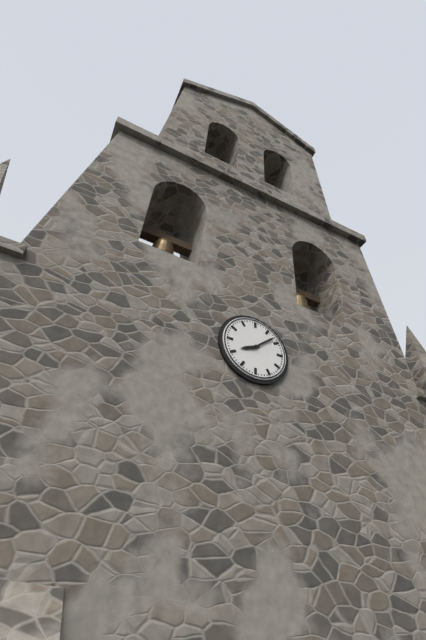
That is h=8 m=8
